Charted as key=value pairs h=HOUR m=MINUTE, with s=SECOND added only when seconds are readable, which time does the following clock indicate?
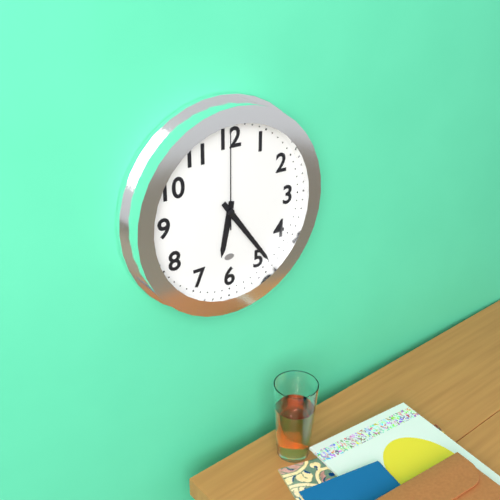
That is h=6 m=24 s=0
